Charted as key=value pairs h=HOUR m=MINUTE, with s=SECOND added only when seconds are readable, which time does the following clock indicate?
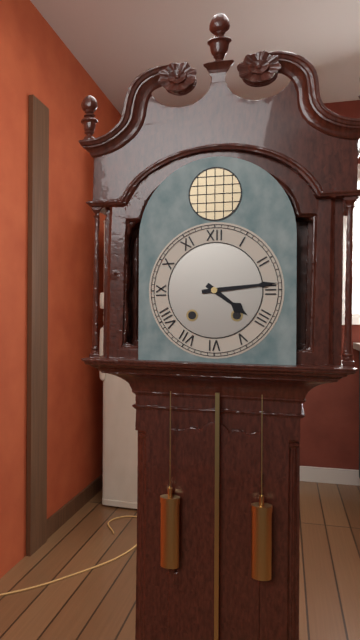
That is h=4 m=14
